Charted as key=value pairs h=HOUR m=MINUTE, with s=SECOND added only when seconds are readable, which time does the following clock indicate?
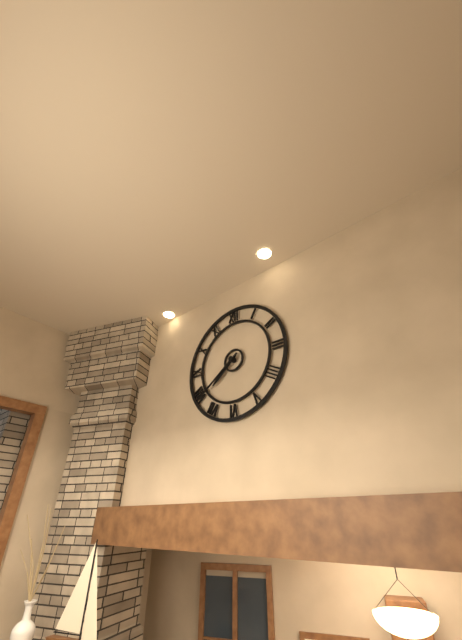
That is h=7 m=39
